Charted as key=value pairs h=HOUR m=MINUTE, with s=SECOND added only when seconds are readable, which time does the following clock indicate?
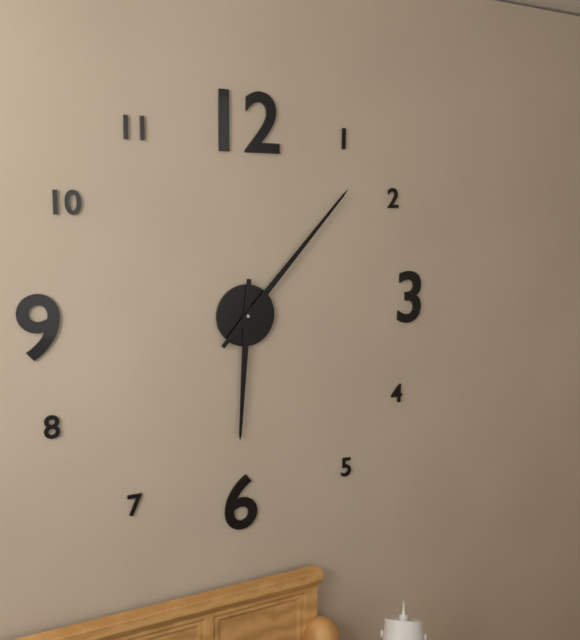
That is h=6 m=7
